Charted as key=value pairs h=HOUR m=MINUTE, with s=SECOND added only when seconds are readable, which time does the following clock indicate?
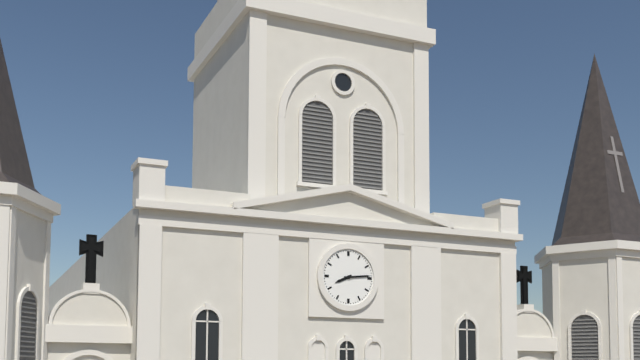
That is h=8 m=14
